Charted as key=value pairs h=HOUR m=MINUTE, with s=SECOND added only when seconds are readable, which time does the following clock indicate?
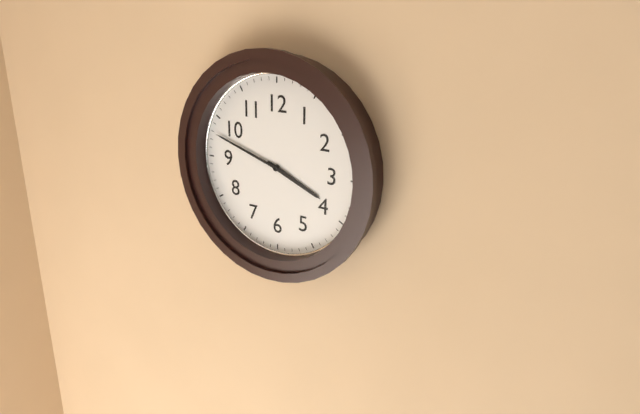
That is h=3 m=48
